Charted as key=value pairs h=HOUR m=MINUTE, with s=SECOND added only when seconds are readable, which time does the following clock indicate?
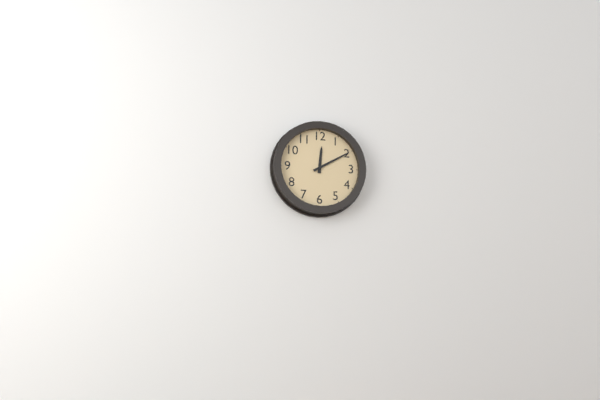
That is h=12 m=10
